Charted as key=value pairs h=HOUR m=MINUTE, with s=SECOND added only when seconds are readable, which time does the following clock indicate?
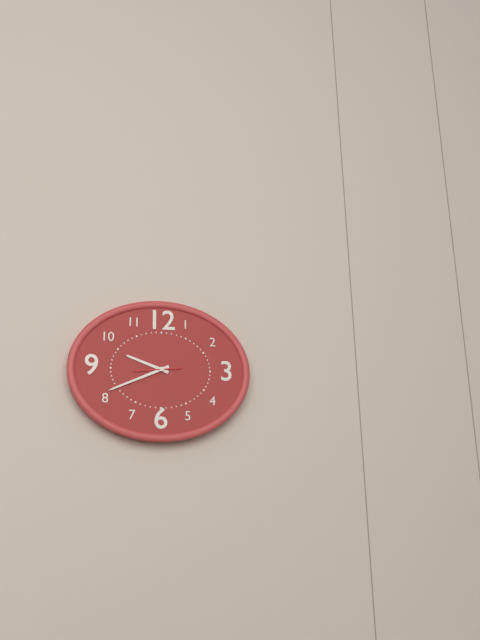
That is h=9 m=41
